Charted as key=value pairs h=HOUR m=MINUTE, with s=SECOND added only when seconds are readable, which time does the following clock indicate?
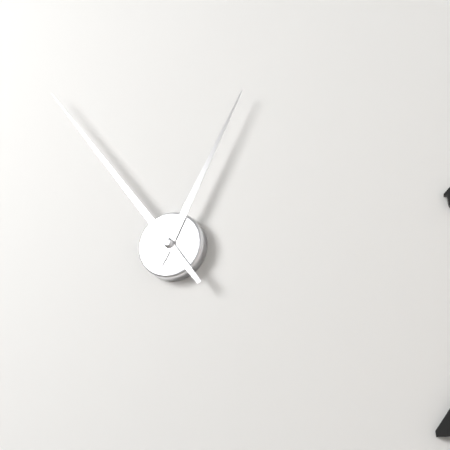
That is h=12 m=54
